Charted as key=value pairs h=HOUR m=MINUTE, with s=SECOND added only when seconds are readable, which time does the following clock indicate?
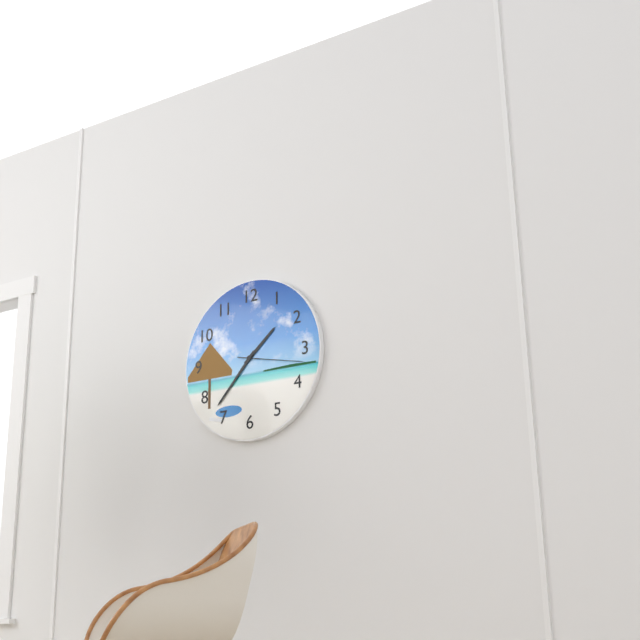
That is h=1 m=37 s=17
